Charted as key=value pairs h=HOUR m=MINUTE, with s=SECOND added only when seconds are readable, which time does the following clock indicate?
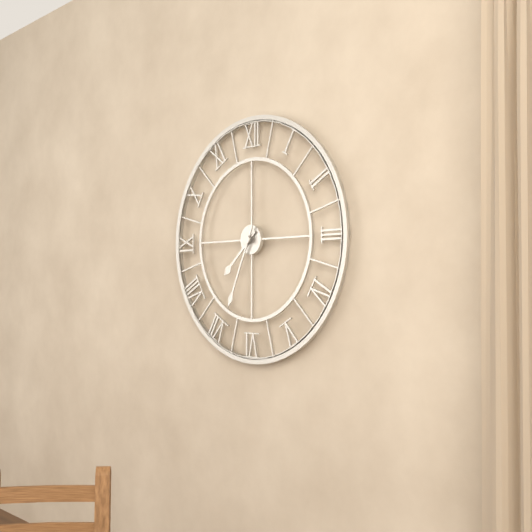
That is h=7 m=34
